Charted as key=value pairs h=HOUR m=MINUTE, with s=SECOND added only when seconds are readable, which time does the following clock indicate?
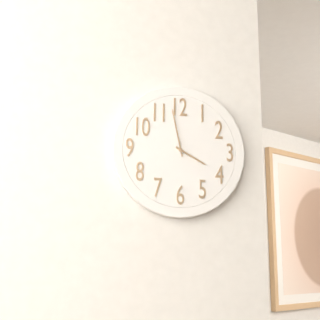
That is h=3 m=58
